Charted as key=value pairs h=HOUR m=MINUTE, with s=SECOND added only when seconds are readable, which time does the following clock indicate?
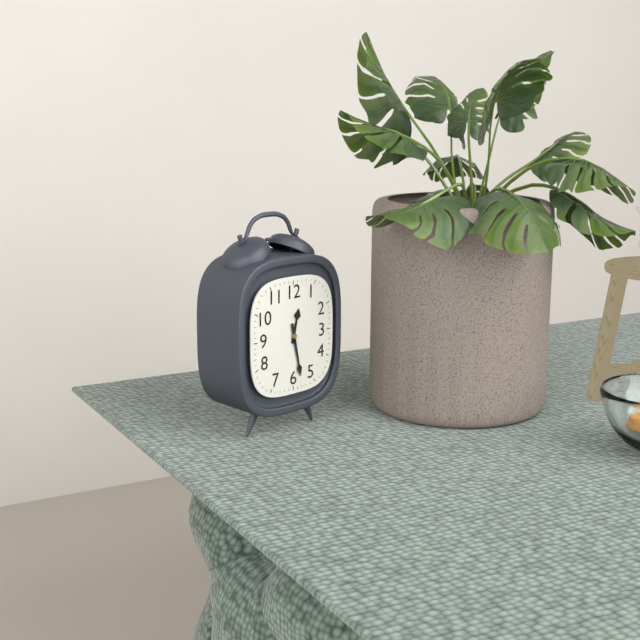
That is h=12 m=28
